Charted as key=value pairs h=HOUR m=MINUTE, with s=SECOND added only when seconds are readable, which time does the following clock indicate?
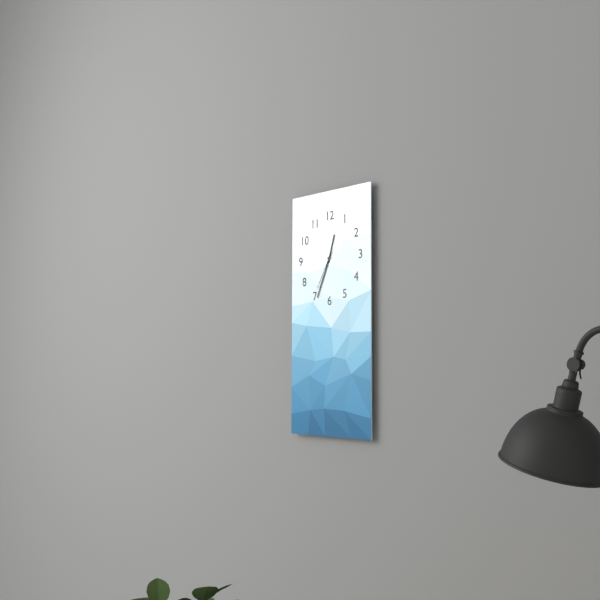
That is h=12 m=34
